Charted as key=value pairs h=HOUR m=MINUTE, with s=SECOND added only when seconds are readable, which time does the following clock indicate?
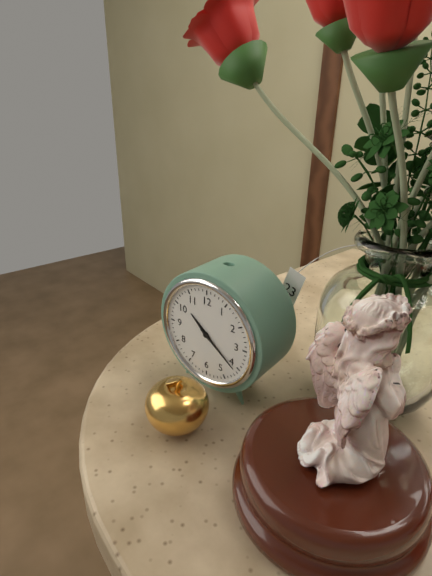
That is h=10 m=21
